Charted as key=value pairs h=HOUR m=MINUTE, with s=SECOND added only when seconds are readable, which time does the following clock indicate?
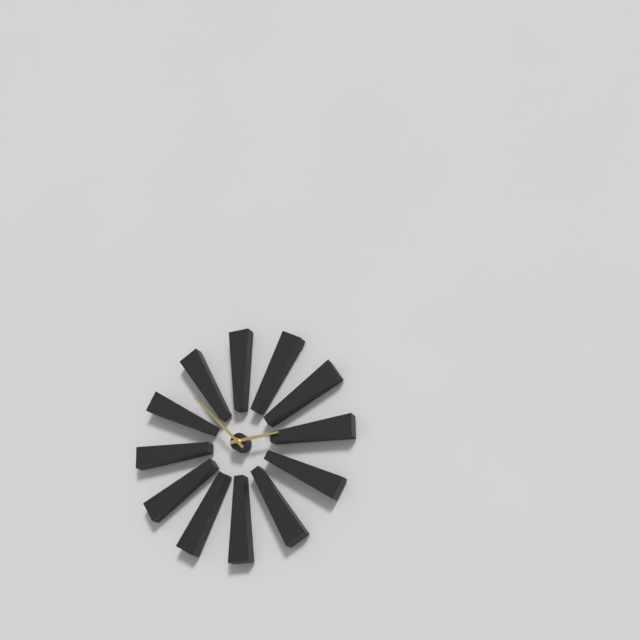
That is h=2 m=53
